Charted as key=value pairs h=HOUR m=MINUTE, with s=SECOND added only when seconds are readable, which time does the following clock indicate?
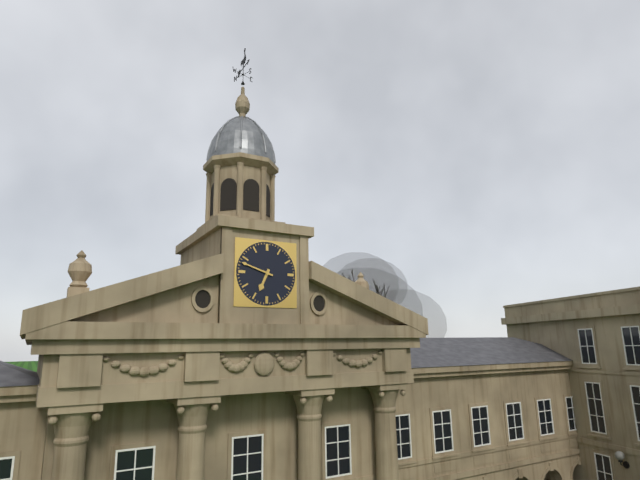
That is h=6 m=48
